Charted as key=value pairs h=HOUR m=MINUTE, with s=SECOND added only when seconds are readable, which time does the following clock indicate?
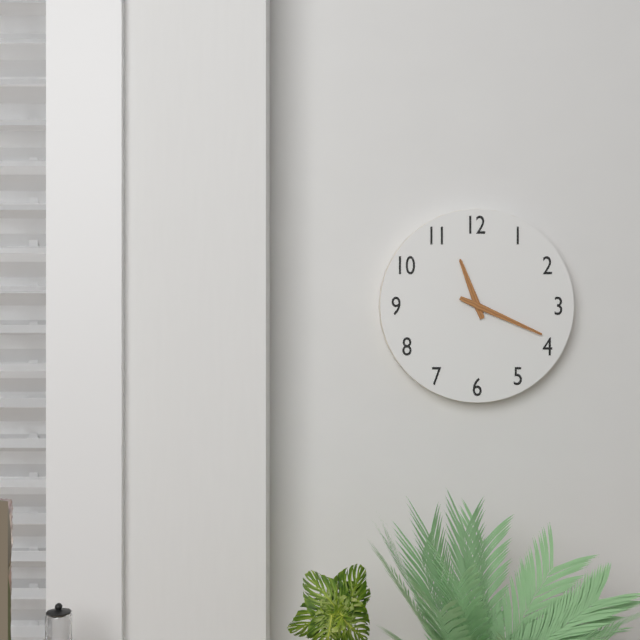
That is h=11 m=19
